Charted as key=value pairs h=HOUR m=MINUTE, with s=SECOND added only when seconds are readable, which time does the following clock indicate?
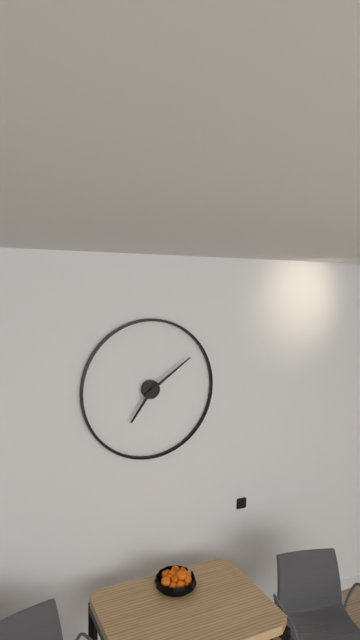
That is h=7 m=9
